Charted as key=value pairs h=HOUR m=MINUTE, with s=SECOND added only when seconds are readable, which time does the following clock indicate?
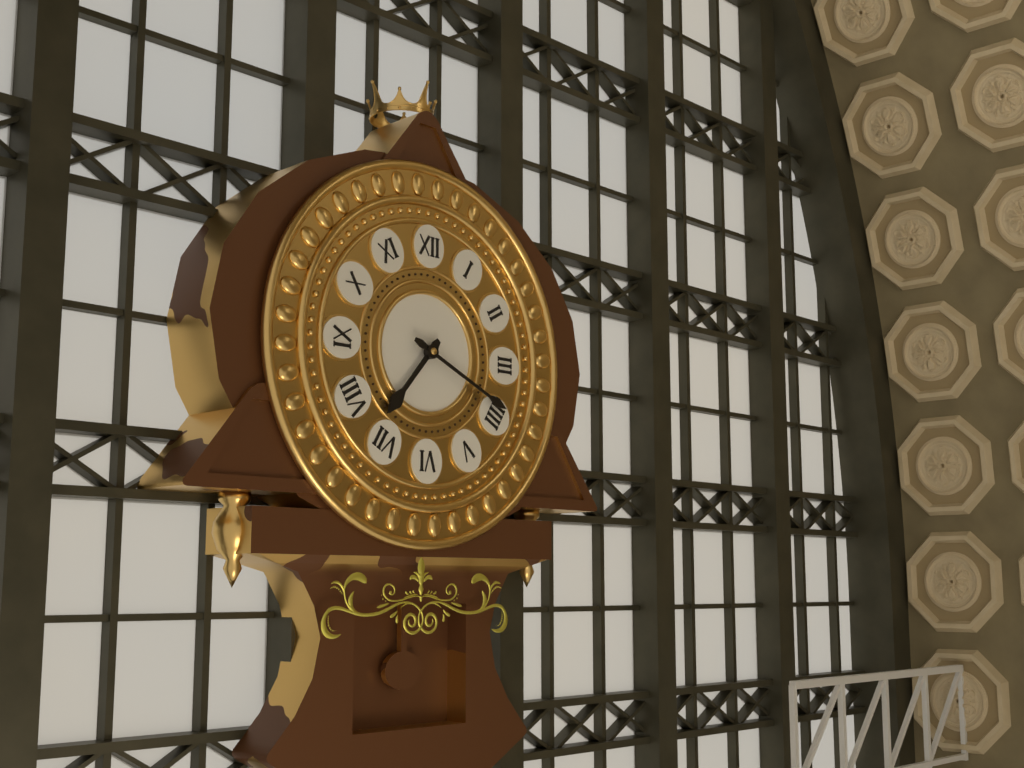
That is h=7 m=19
